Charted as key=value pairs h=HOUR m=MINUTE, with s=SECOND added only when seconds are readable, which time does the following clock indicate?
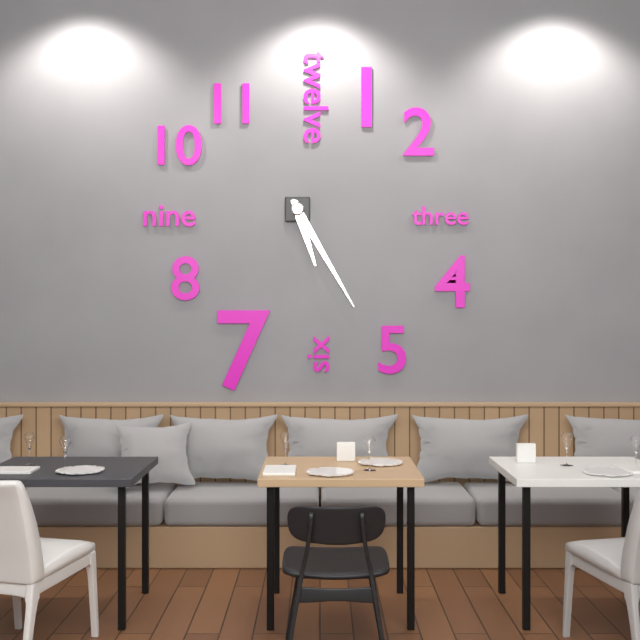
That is h=5 m=25
